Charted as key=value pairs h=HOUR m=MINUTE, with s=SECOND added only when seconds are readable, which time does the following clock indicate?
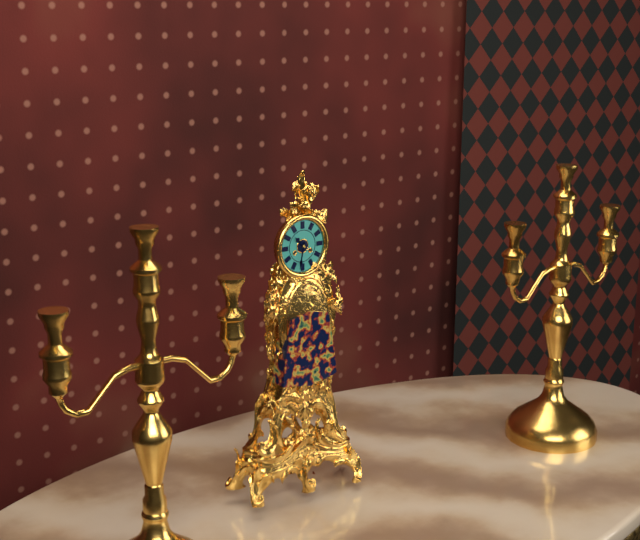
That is h=10 m=32
